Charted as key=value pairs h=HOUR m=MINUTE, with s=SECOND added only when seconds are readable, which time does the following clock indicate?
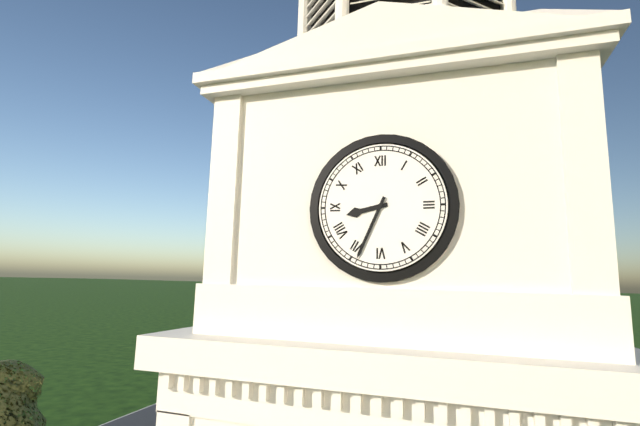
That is h=8 m=34
